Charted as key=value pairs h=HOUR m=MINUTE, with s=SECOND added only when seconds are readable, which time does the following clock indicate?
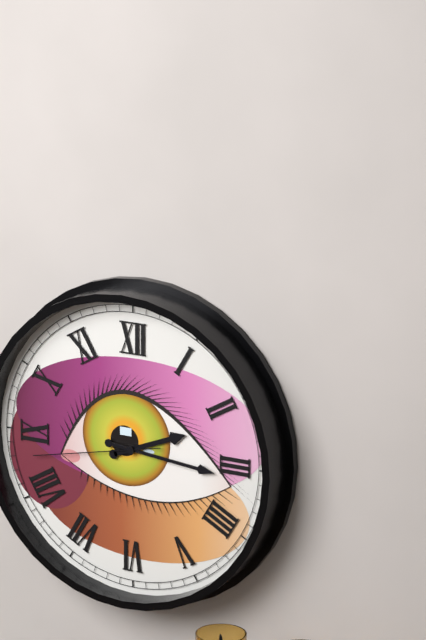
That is h=2 m=16 s=43
